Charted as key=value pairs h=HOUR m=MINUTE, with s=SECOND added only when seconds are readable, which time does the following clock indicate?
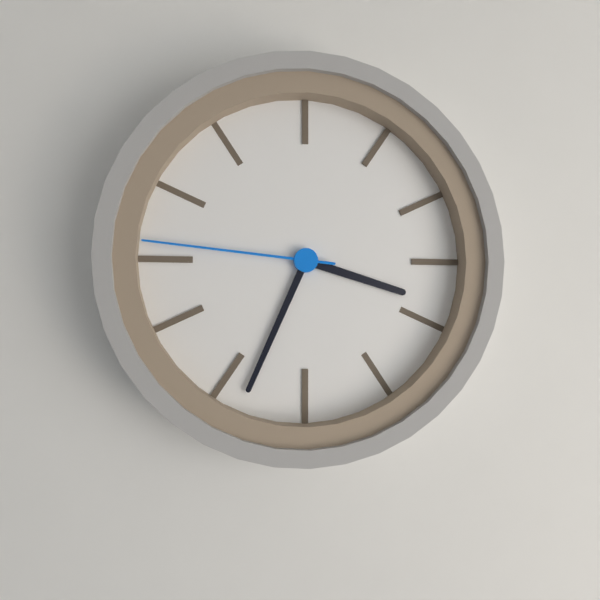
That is h=3 m=34 s=46
